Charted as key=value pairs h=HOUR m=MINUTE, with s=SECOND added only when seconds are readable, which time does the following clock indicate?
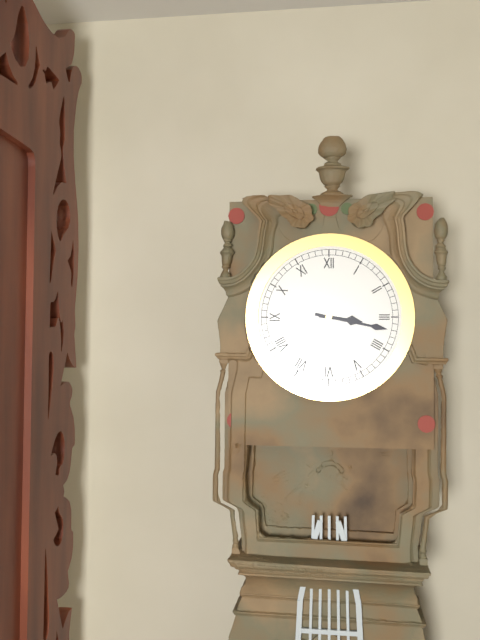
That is h=3 m=17
